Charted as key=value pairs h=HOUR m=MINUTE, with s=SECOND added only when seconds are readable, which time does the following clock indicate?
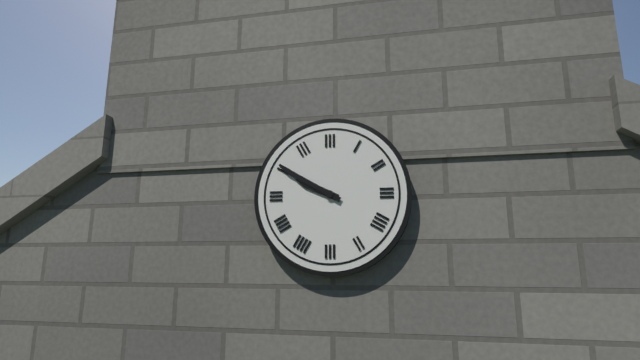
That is h=9 m=50
